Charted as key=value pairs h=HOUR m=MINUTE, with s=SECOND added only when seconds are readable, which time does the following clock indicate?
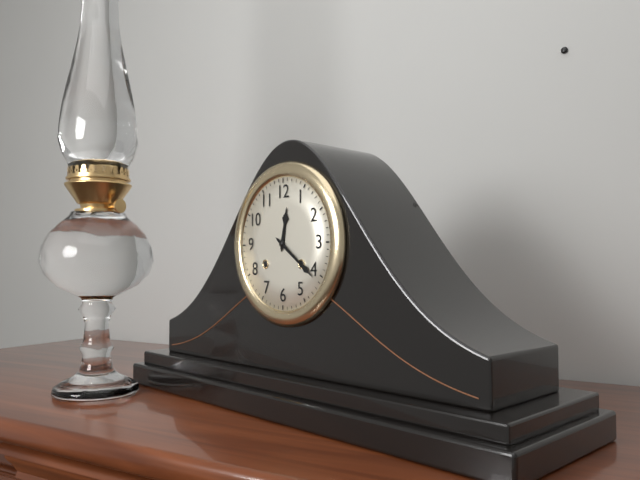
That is h=12 m=21
